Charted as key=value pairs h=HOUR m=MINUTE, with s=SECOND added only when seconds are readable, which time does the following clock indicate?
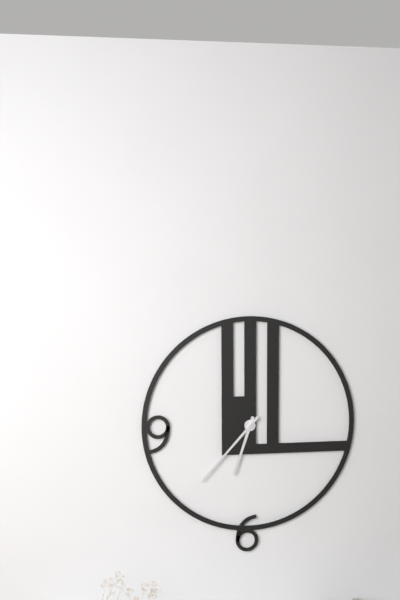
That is h=6 m=37
